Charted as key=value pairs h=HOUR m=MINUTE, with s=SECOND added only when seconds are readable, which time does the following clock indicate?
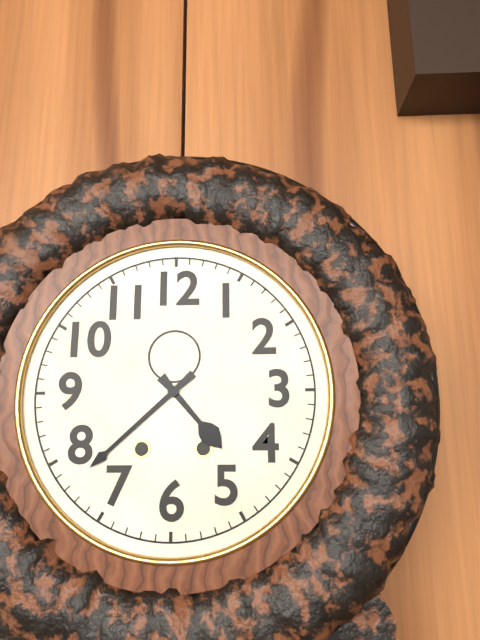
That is h=4 m=38
